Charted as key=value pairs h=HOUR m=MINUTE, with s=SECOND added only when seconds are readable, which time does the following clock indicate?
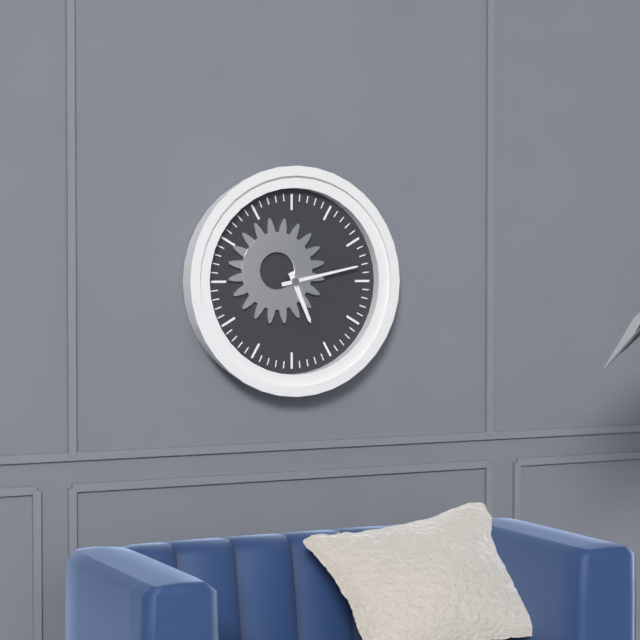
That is h=5 m=13
